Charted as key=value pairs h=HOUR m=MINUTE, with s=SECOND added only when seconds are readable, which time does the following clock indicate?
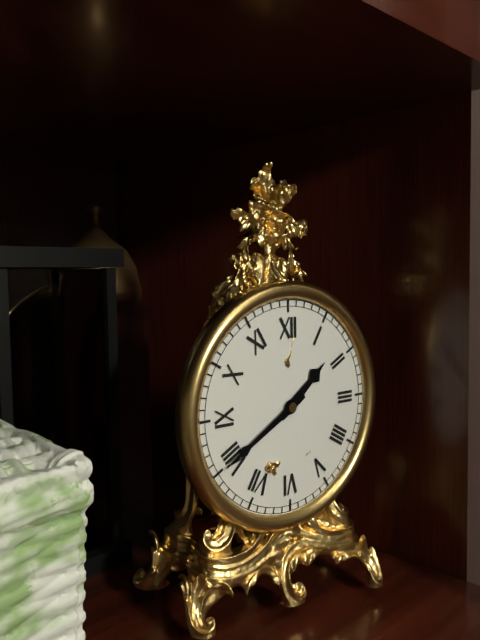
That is h=1 m=40
